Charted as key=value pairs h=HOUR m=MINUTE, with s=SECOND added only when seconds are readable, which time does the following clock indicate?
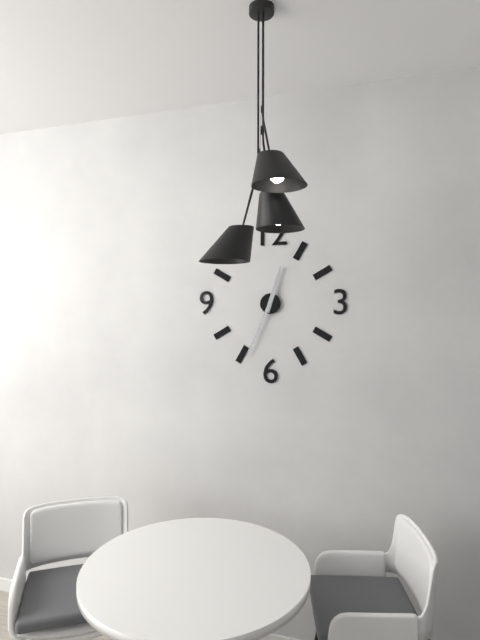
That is h=12 m=34
